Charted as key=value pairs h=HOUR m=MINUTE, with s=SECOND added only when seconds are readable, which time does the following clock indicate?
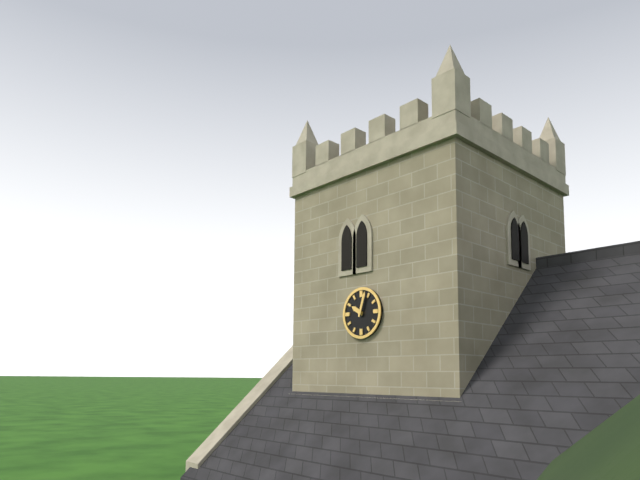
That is h=10 m=3
